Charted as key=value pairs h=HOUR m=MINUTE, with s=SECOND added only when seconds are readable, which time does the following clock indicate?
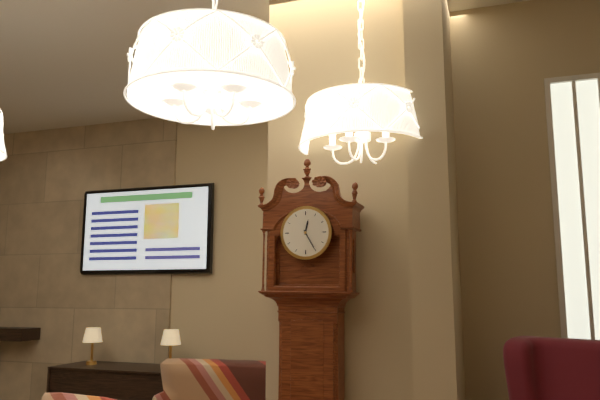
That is h=12 m=25
